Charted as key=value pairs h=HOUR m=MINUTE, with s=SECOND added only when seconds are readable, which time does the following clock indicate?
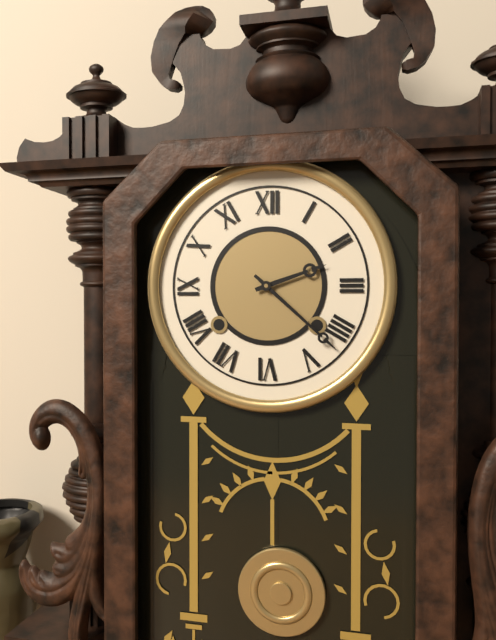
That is h=2 m=22
